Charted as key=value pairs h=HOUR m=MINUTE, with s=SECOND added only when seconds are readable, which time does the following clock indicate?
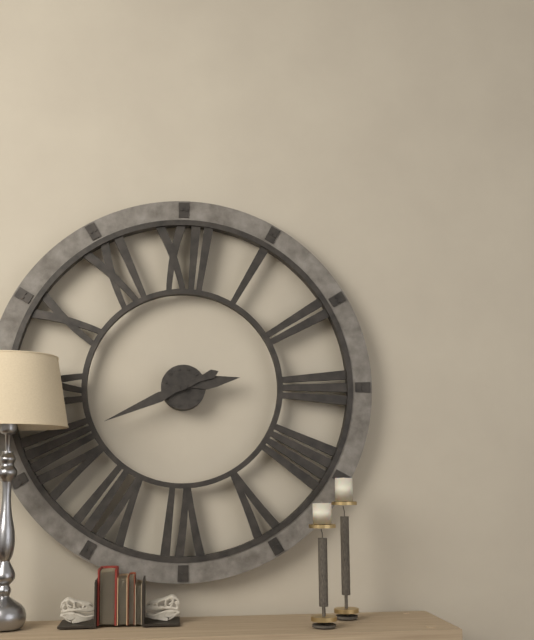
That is h=2 m=41
